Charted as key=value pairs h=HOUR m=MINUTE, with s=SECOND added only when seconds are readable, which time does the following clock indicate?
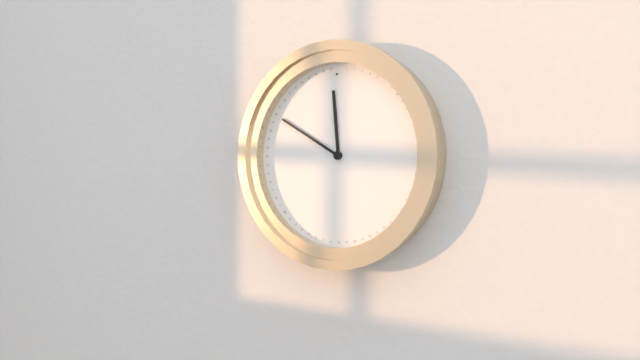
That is h=11 m=50
